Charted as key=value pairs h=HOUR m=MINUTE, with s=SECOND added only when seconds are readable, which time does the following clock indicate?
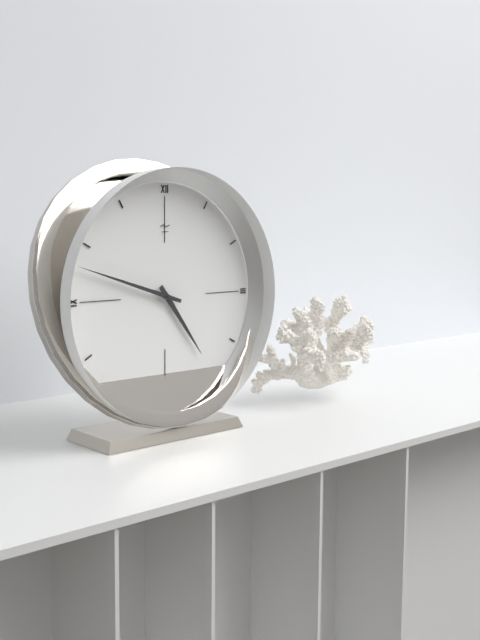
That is h=4 m=48
